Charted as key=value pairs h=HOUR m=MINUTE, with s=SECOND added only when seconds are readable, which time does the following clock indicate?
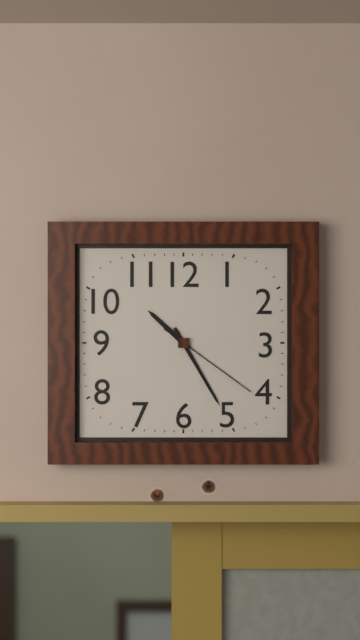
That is h=10 m=25 s=21
